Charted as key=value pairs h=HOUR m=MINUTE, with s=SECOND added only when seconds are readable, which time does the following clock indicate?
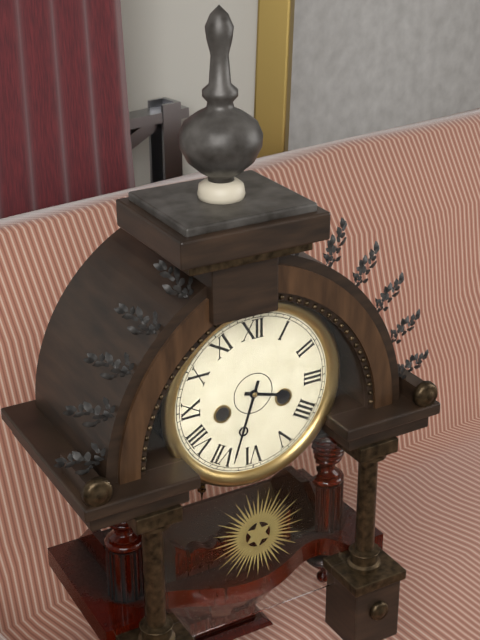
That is h=3 m=33
